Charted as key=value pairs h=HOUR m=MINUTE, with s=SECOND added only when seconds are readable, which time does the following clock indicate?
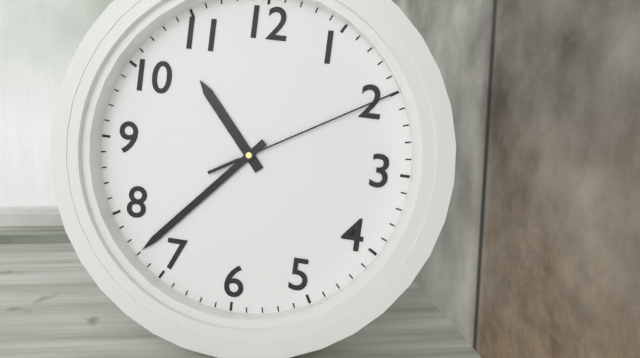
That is h=10 m=37 s=10
